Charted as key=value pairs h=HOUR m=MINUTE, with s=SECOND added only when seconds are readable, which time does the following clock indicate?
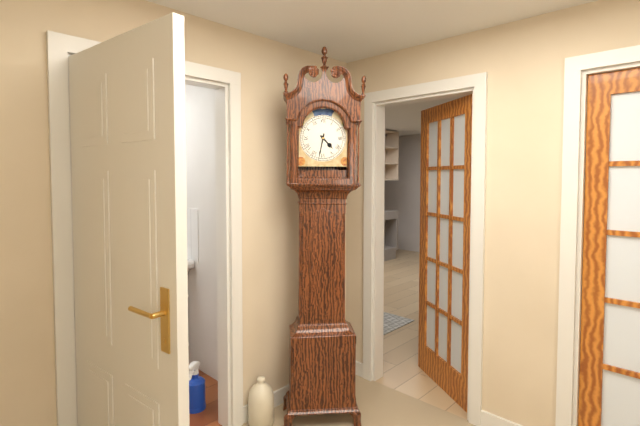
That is h=4 m=32
